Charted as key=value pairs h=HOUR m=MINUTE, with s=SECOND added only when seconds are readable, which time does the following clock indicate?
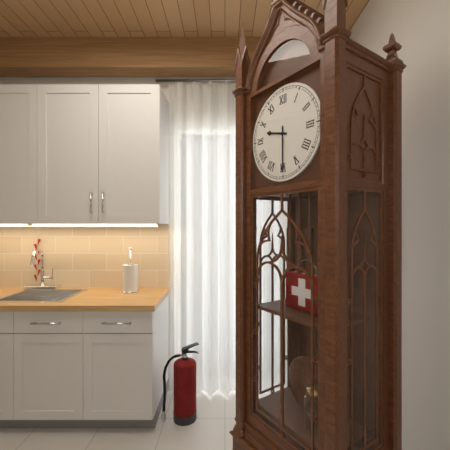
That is h=9 m=30
